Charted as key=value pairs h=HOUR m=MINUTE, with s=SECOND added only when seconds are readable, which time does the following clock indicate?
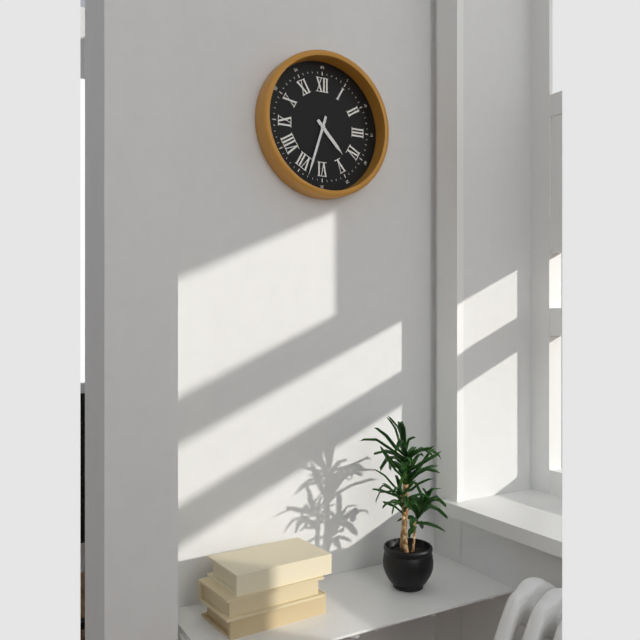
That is h=4 m=33
